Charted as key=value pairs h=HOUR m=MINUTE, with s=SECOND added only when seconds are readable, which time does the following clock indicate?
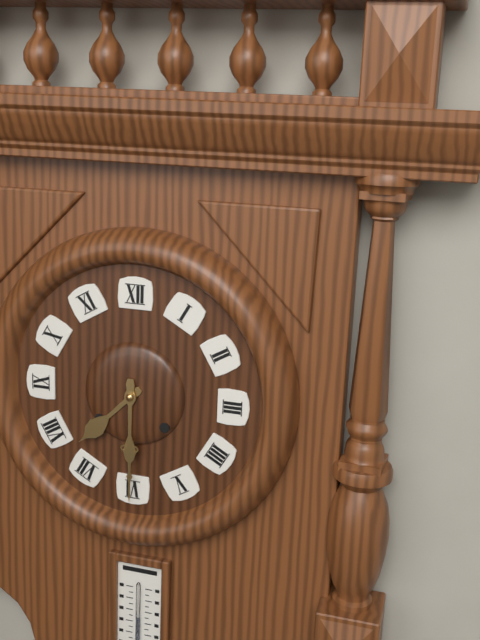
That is h=7 m=30
